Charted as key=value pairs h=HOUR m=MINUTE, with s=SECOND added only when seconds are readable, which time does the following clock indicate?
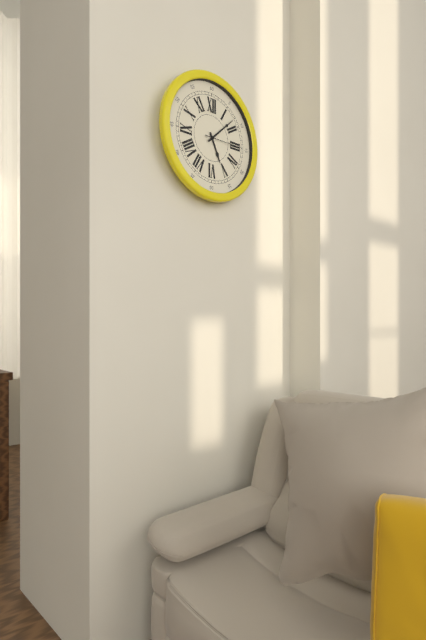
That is h=5 m=8
